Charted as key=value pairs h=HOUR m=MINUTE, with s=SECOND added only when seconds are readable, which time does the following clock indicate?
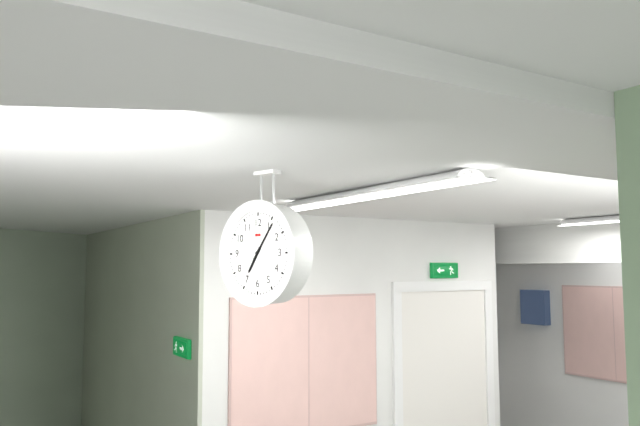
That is h=7 m=6
